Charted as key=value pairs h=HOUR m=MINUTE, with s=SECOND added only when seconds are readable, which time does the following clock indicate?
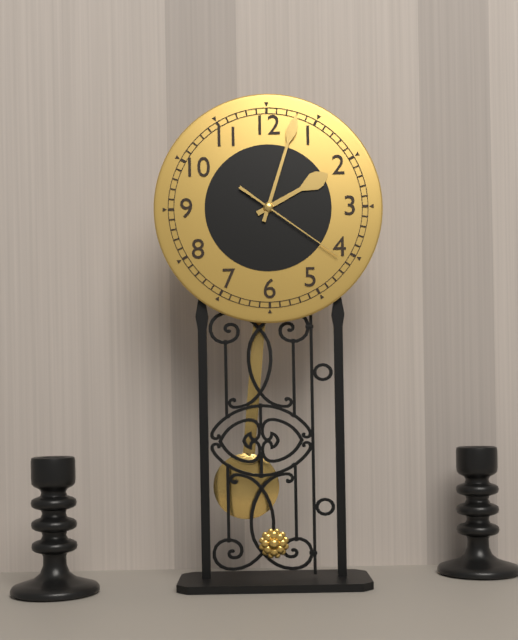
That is h=2 m=3 s=21
